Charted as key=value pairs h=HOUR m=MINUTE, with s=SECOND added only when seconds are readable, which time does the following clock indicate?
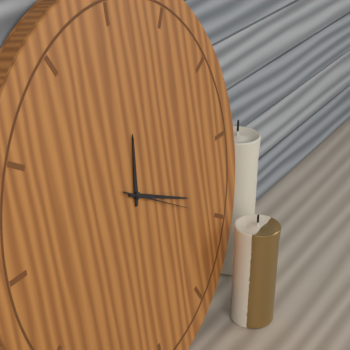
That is h=12 m=19 s=20
